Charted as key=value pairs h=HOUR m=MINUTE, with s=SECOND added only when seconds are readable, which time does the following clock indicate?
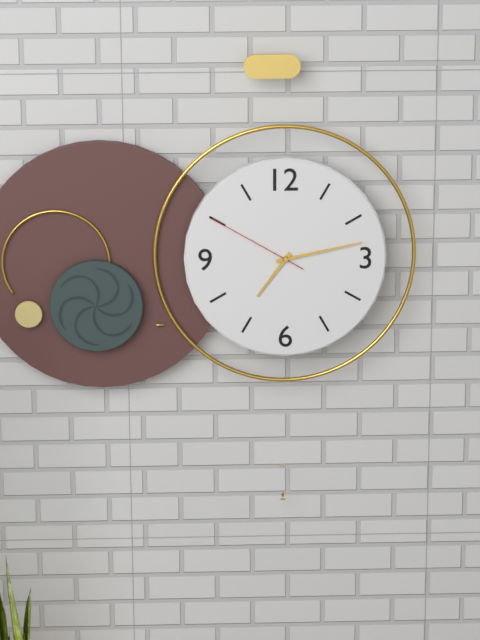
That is h=7 m=13 s=50
